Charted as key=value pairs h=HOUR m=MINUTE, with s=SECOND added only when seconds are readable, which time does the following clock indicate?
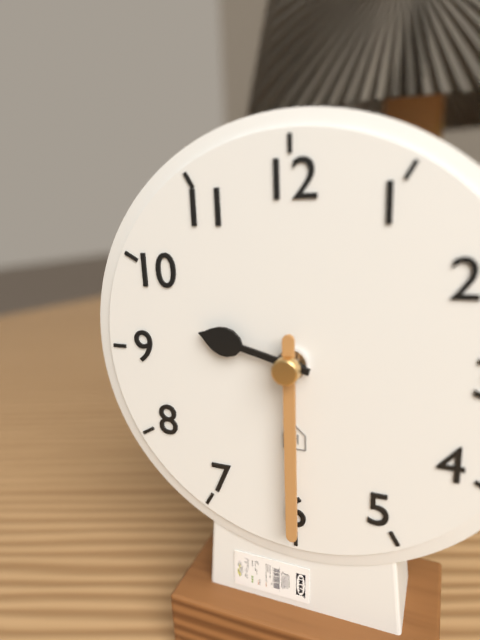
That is h=9 m=30
